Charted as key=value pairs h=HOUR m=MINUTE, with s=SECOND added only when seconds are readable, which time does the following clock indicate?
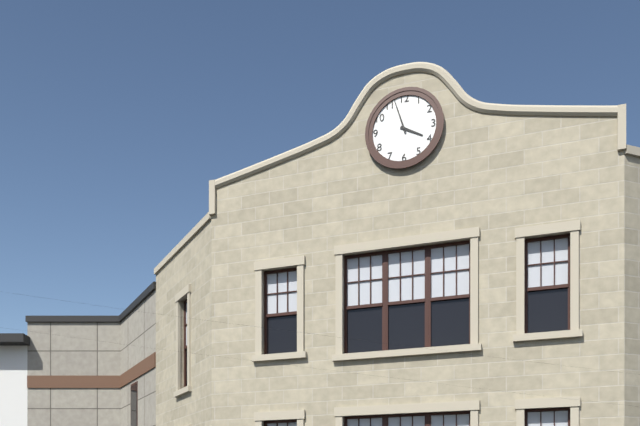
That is h=3 m=57
